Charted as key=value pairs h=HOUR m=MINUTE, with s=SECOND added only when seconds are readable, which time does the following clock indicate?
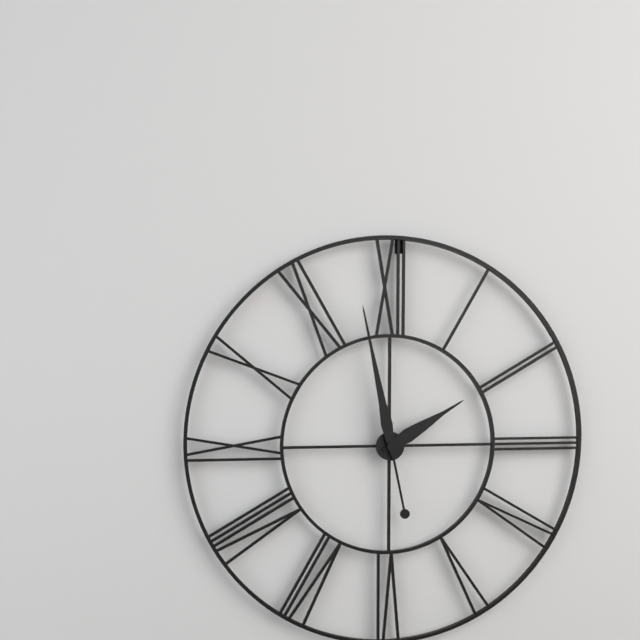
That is h=1 m=58
